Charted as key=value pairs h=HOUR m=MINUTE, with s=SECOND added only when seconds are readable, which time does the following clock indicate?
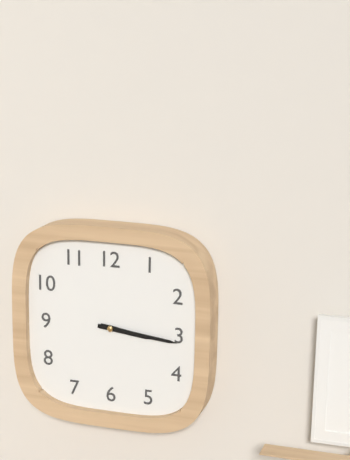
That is h=3 m=16
